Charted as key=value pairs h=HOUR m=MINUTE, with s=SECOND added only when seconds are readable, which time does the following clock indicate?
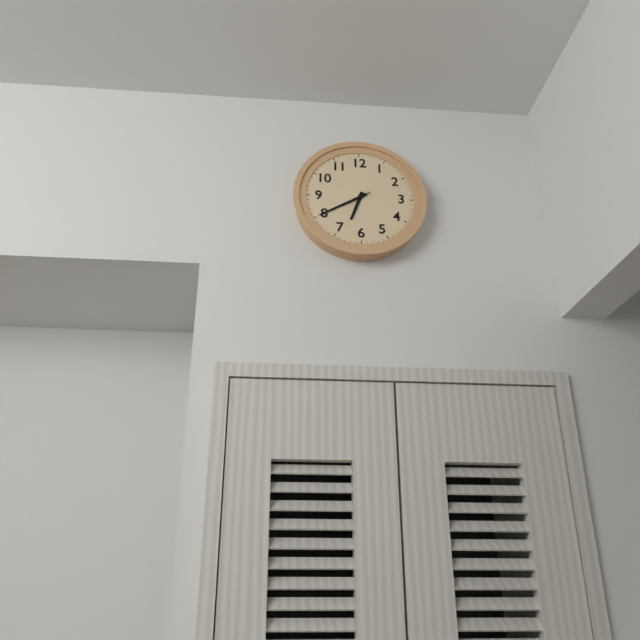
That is h=6 m=40 s=40
